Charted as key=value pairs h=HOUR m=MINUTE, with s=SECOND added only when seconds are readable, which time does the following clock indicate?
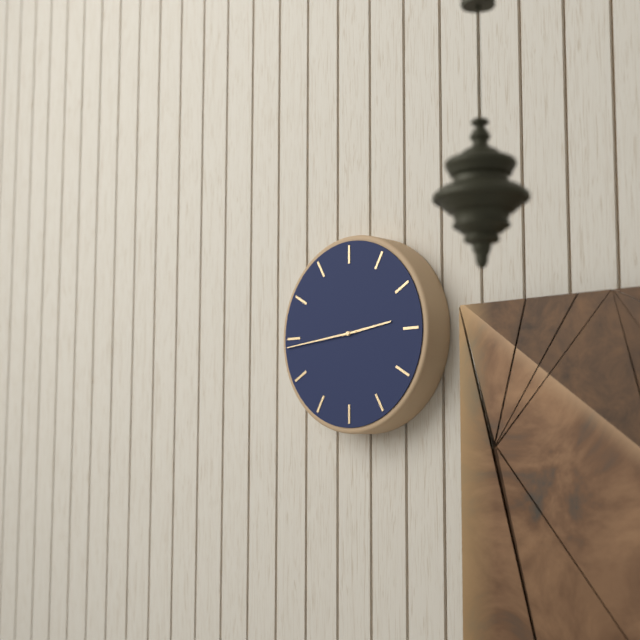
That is h=2 m=44
